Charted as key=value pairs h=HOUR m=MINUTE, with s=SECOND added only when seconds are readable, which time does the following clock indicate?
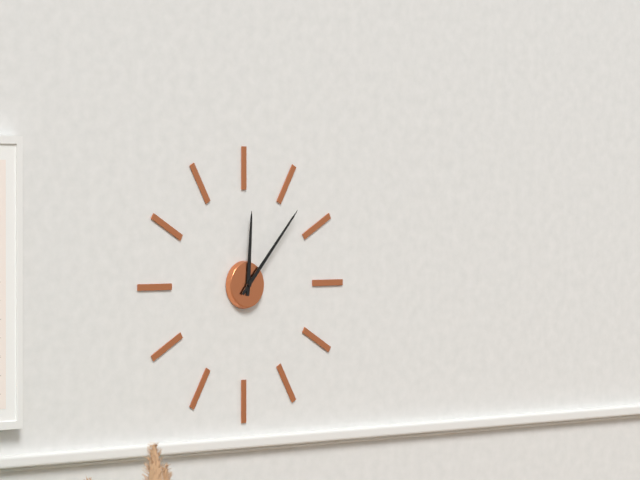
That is h=12 m=7
